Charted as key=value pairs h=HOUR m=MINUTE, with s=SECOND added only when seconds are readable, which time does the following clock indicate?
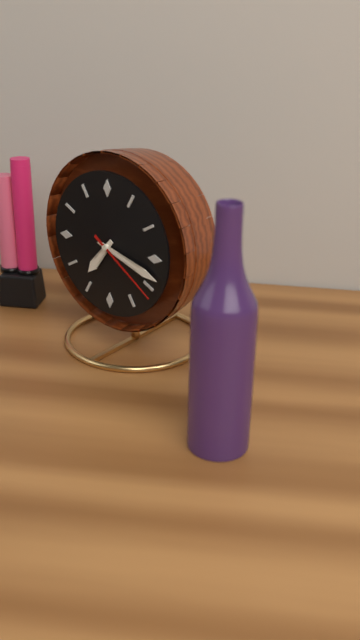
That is h=7 m=18 s=21
